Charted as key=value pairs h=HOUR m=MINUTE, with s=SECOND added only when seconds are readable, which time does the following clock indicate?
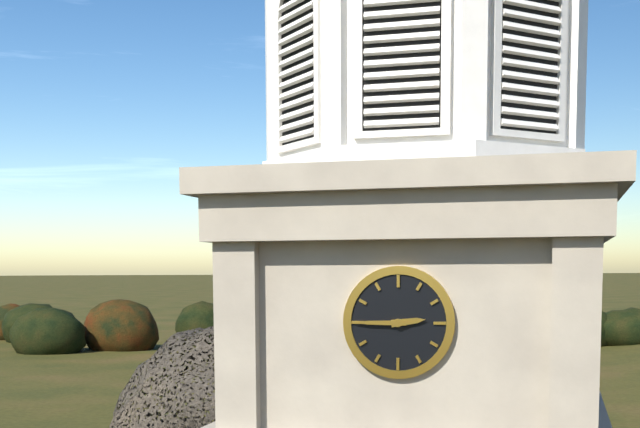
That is h=2 m=45
